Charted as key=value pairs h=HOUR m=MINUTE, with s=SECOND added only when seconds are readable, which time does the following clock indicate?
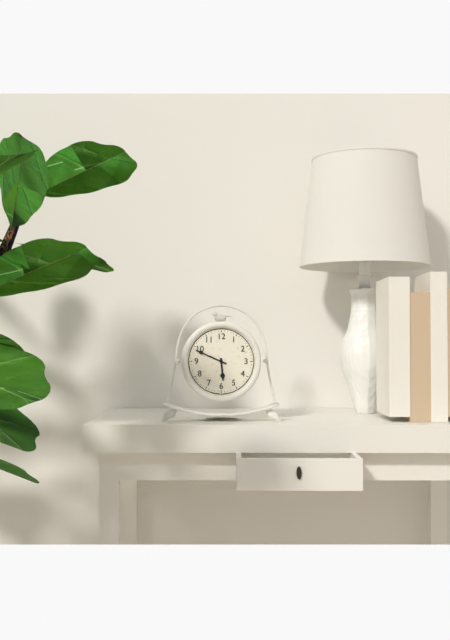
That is h=5 m=49
